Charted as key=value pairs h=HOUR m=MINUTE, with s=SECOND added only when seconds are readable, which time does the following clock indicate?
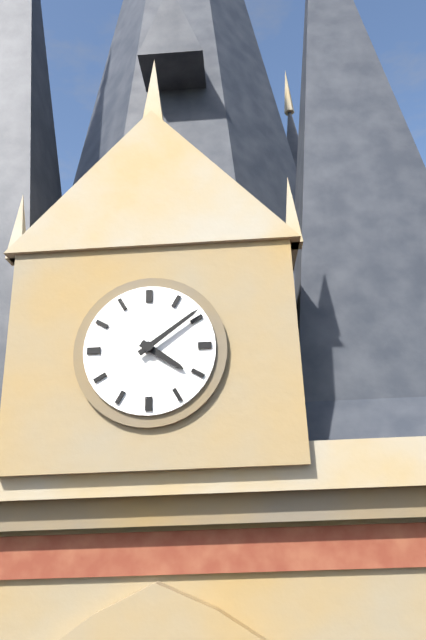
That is h=4 m=9
